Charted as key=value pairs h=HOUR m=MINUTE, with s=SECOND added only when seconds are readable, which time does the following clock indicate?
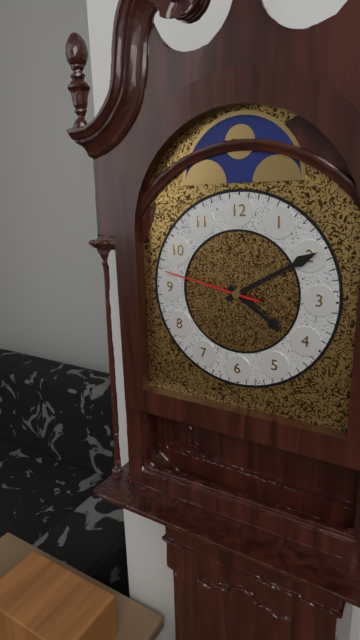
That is h=4 m=10 s=47
